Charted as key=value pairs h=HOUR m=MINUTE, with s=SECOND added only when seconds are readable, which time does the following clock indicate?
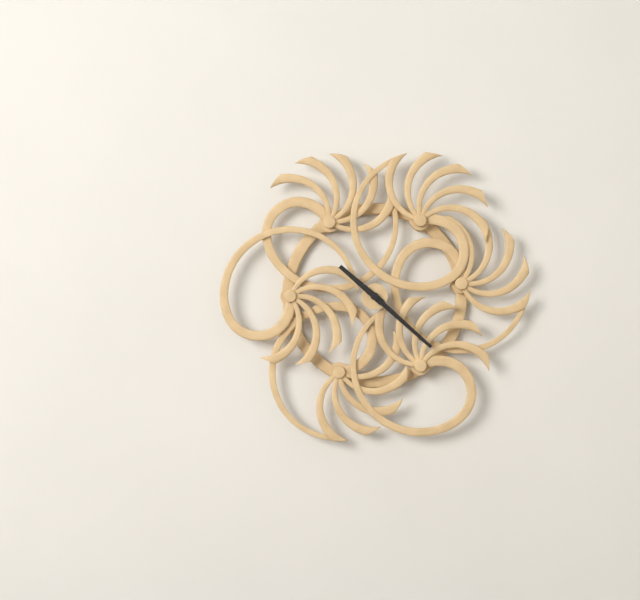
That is h=10 m=22
